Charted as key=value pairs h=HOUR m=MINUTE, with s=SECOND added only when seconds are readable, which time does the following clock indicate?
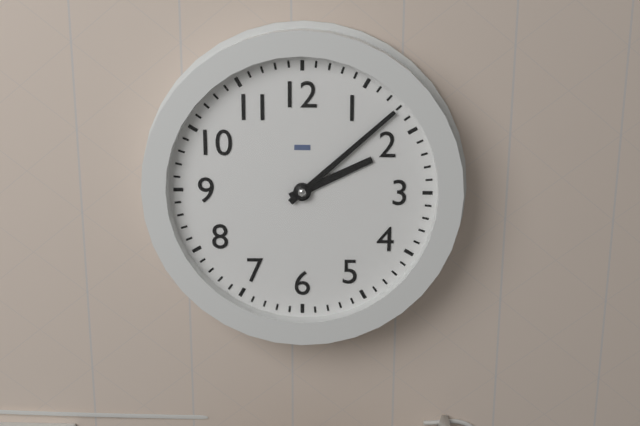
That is h=2 m=8
